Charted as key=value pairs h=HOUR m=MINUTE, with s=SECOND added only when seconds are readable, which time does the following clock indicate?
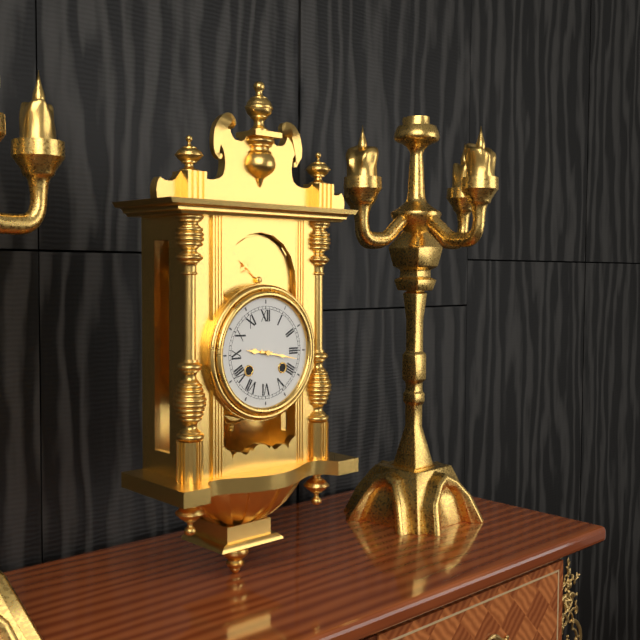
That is h=9 m=17
